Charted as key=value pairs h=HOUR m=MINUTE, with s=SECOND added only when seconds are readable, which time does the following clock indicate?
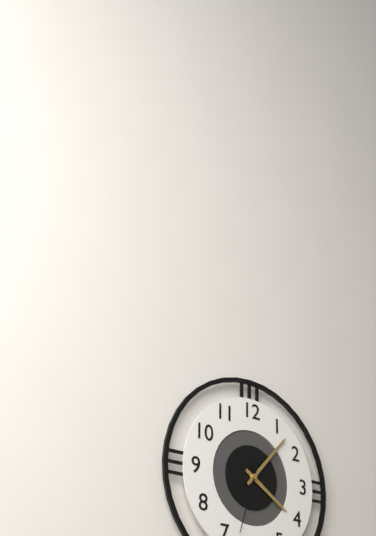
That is h=4 m=7 s=33
